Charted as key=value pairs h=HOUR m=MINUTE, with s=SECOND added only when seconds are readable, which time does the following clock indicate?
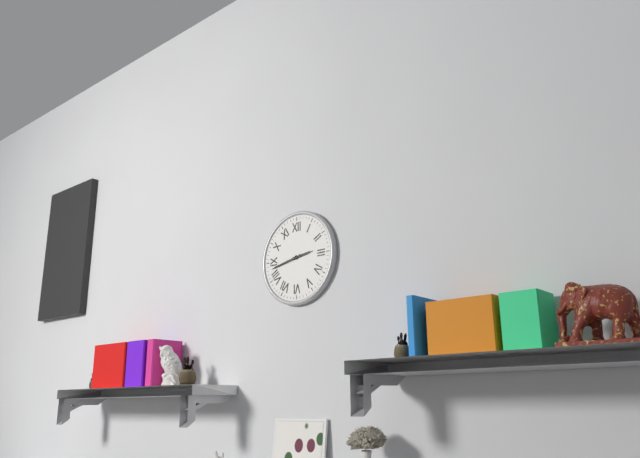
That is h=2 m=43
